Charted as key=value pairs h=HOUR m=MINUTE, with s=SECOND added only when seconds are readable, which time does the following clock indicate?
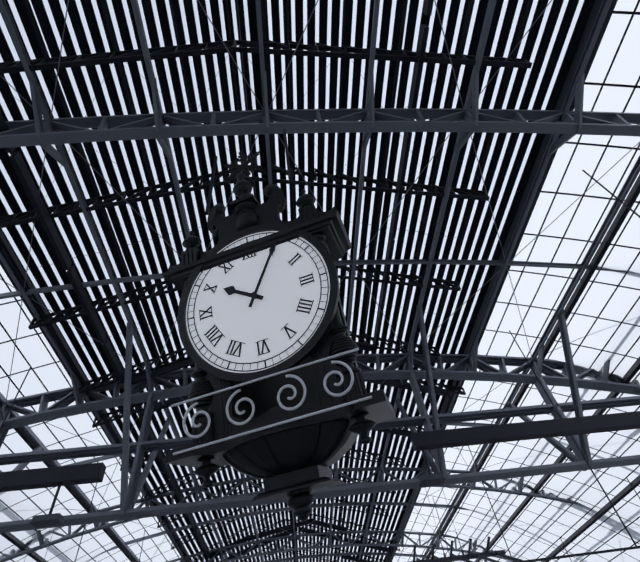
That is h=10 m=5
